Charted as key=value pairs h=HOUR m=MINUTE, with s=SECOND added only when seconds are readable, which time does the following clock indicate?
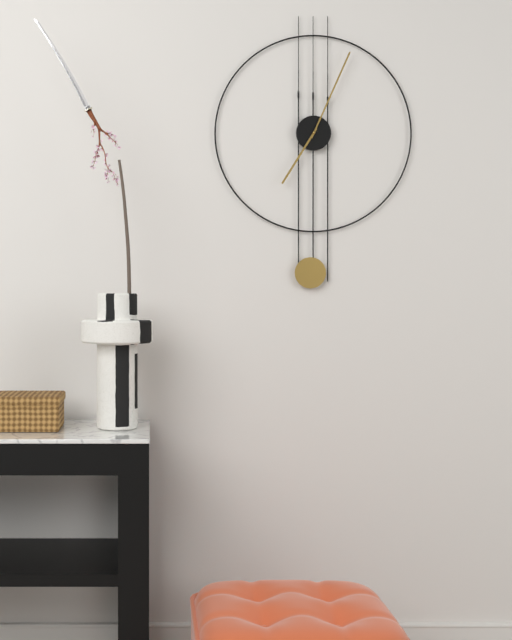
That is h=7 m=4
